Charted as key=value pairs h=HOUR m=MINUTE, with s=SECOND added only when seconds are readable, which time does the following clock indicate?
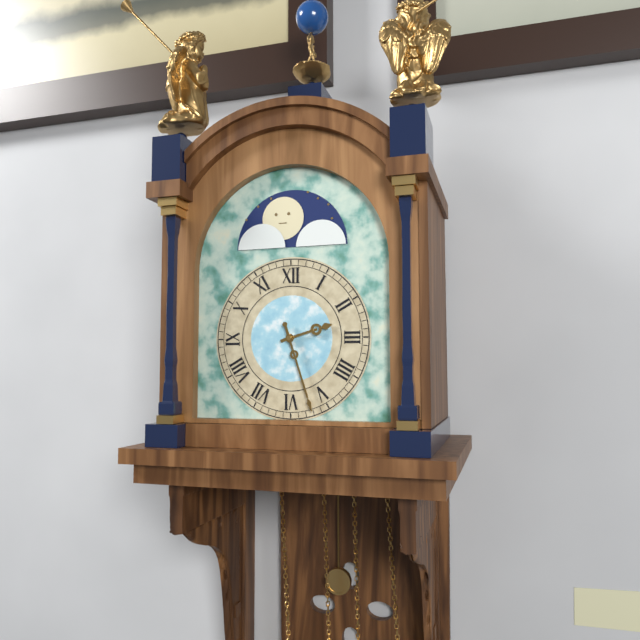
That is h=2 m=27
